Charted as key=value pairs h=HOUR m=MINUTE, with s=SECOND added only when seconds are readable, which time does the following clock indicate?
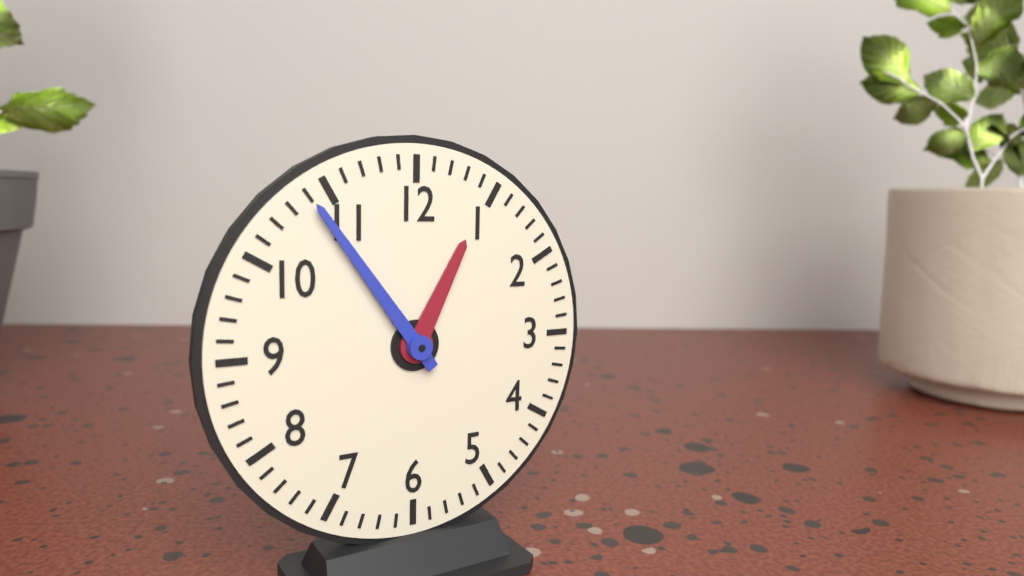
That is h=12 m=54
